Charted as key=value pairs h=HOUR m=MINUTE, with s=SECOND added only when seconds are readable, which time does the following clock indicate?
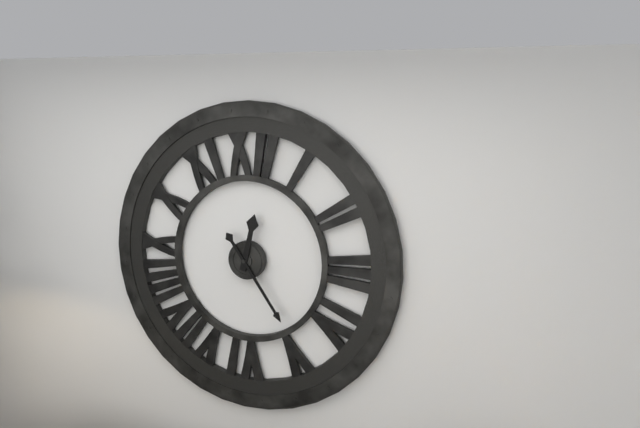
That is h=12 m=24
